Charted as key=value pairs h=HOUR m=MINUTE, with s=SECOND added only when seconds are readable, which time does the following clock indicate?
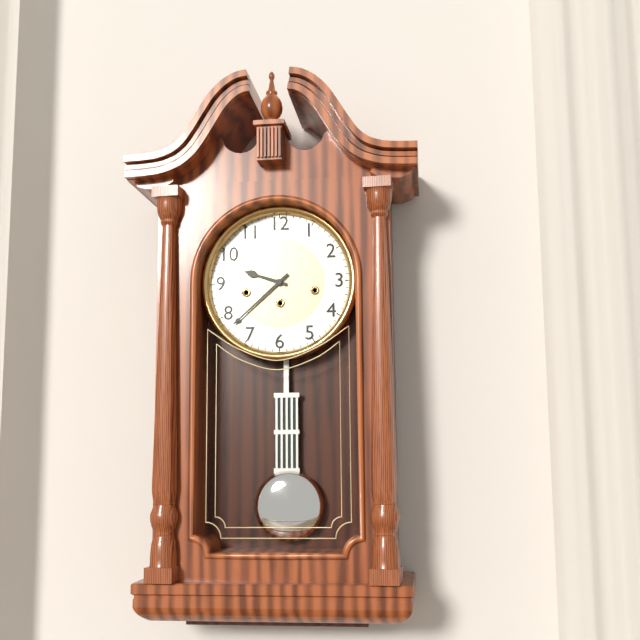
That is h=9 m=38
